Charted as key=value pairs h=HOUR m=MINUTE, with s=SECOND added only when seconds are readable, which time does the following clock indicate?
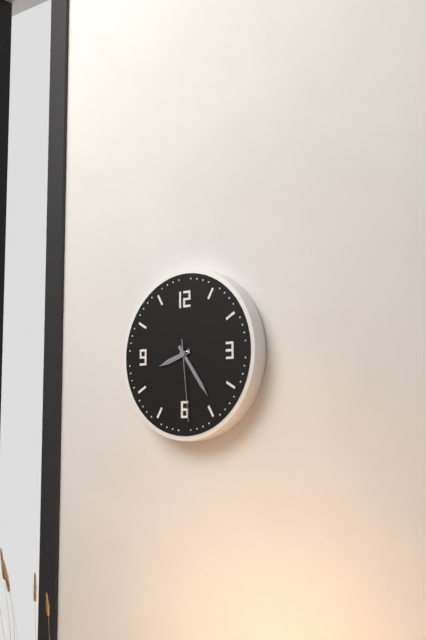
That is h=8 m=24 s=29
